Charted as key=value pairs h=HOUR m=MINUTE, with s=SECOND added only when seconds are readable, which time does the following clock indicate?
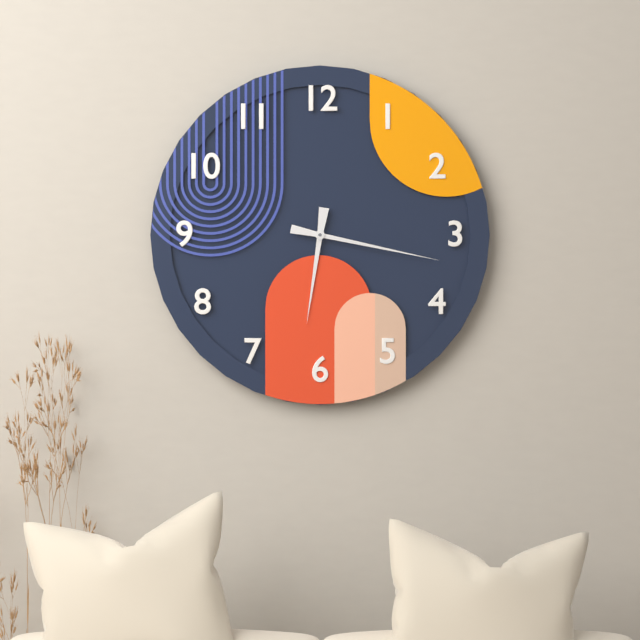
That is h=6 m=17
